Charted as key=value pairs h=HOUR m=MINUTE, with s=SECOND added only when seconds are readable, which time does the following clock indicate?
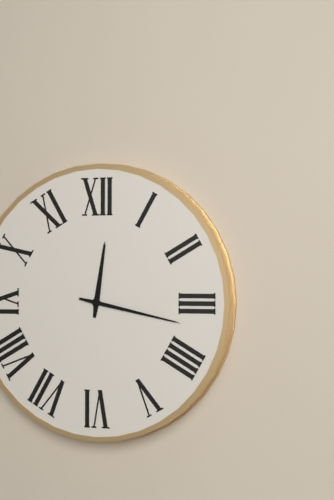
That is h=12 m=17
